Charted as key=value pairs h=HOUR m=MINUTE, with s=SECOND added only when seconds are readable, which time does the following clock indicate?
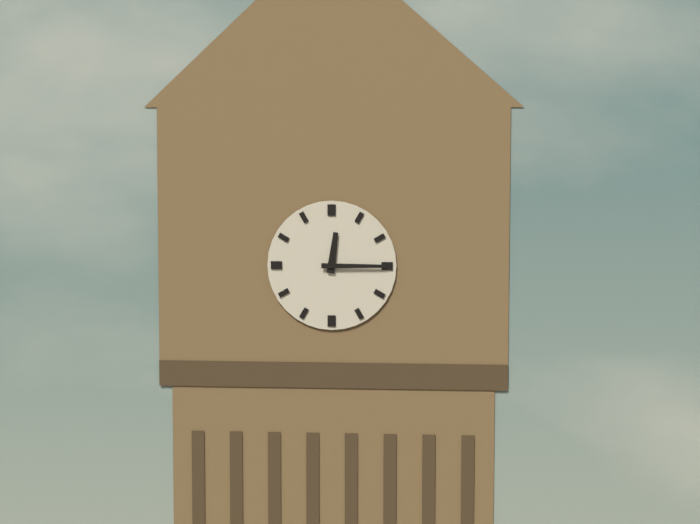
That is h=12 m=15
